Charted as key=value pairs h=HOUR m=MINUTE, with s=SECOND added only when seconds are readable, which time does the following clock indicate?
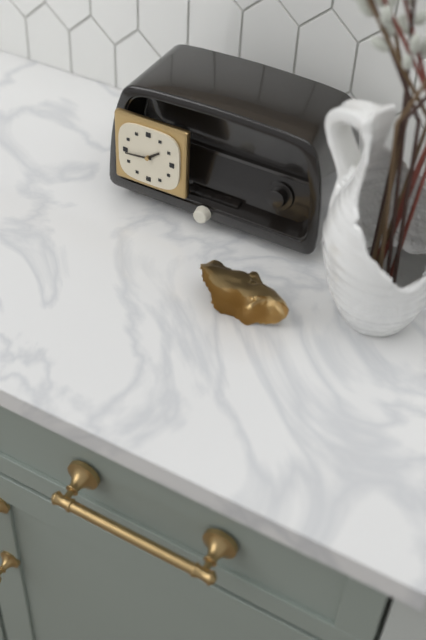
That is h=1 m=44
